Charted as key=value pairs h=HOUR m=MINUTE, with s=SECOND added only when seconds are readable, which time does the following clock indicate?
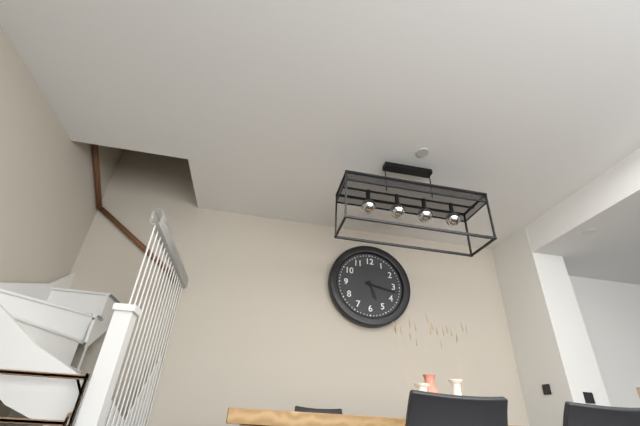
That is h=5 m=17
